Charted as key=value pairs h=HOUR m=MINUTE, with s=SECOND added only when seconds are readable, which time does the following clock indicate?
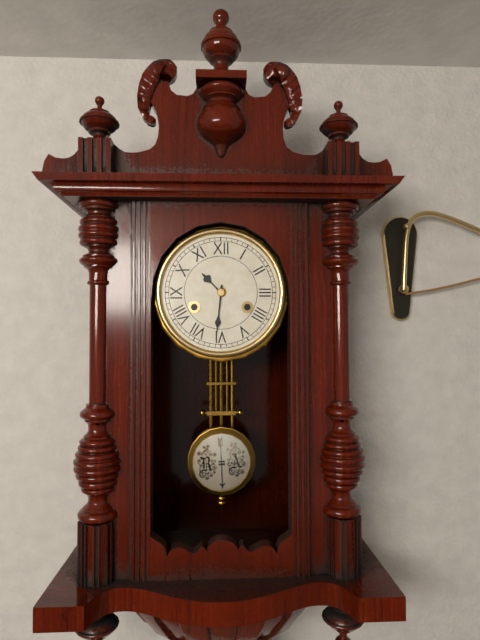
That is h=10 m=31
